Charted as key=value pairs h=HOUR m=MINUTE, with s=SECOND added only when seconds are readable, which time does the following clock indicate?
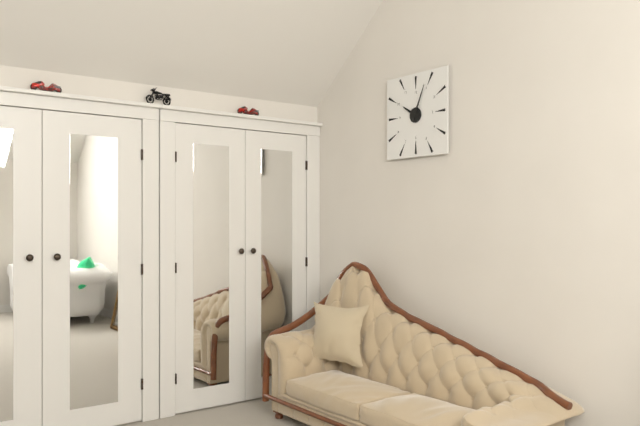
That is h=10 m=4
